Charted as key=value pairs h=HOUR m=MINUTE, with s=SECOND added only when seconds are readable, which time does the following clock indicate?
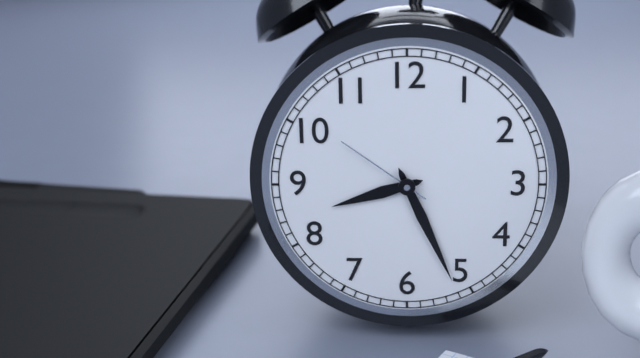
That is h=8 m=26 s=51
